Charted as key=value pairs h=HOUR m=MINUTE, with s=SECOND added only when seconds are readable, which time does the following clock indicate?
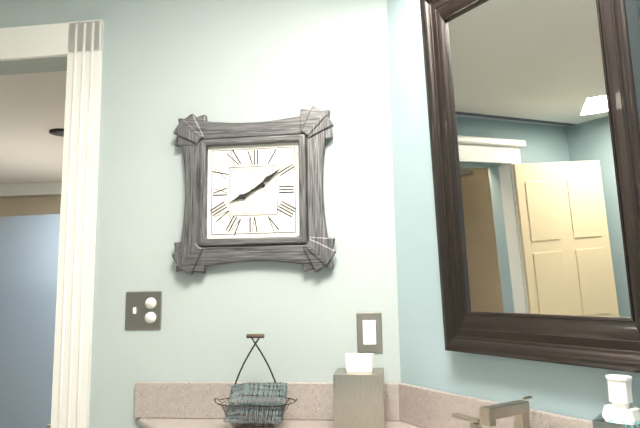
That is h=8 m=9
